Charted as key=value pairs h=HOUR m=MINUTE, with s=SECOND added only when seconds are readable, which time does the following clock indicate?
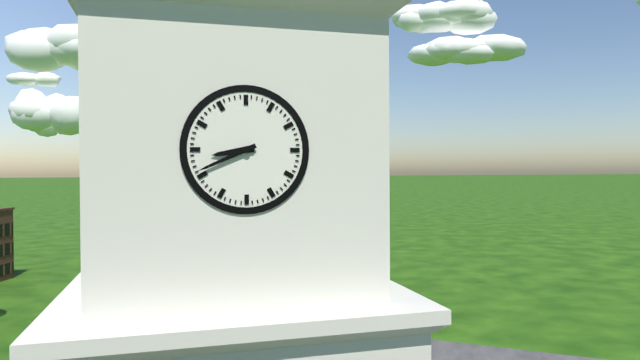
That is h=8 m=41
